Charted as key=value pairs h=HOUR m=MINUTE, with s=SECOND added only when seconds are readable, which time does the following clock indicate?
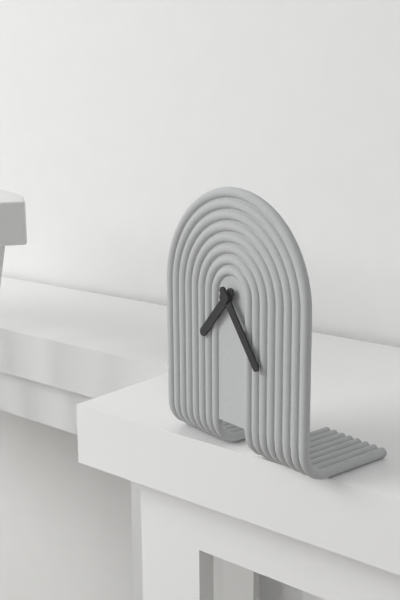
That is h=7 m=24
